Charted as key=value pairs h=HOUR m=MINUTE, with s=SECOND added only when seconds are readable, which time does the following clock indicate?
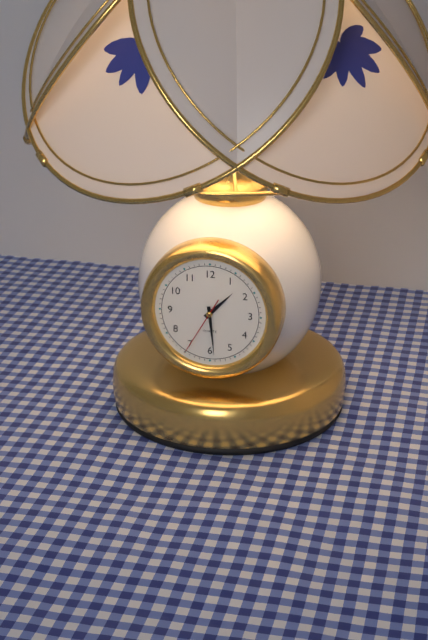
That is h=1 m=29 s=35
